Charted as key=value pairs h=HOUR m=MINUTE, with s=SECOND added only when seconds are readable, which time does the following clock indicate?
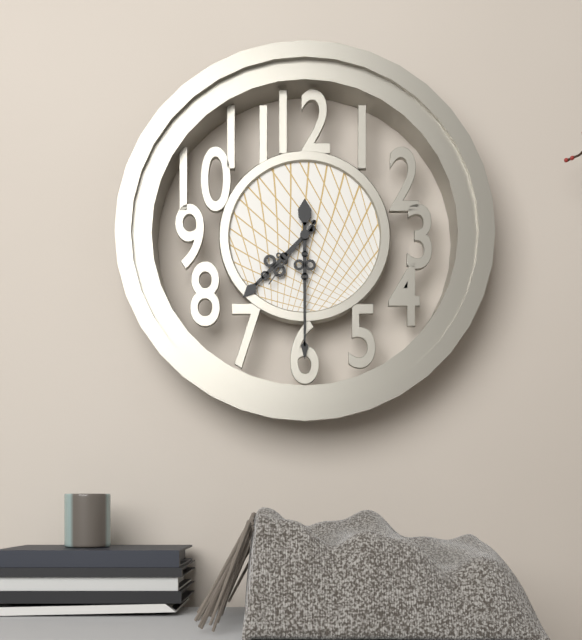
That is h=7 m=30 s=36
